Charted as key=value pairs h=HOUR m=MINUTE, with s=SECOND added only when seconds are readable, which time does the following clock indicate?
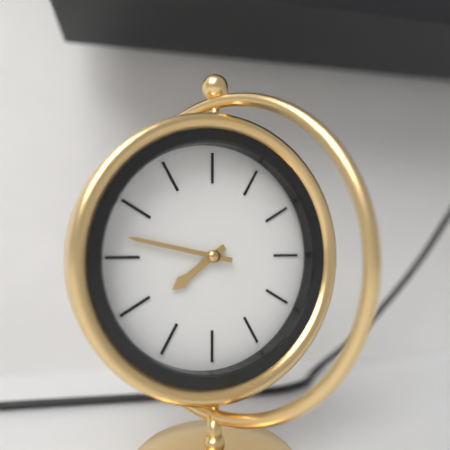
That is h=7 m=47
